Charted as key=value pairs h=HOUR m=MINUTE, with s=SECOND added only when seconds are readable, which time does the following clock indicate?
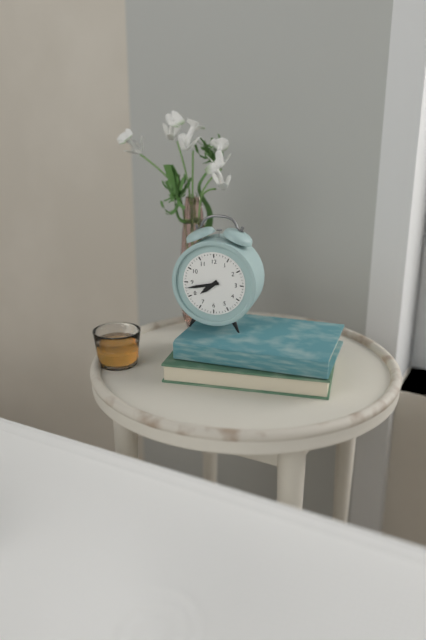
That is h=7 m=43
